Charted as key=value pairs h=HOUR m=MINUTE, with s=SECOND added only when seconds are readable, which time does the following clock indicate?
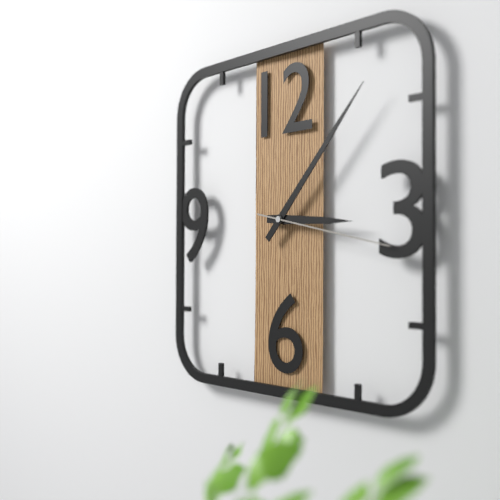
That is h=3 m=7 s=17
